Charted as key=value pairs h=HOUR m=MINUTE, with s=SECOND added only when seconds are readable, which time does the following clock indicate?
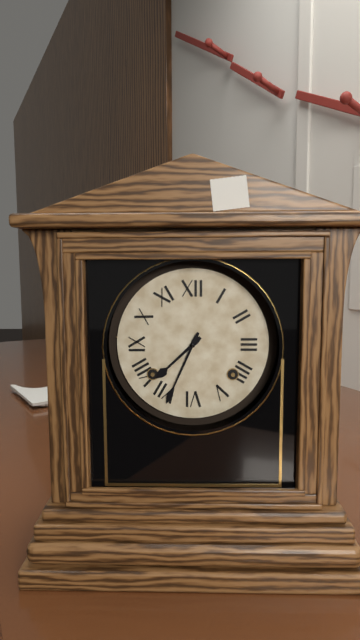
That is h=7 m=34
